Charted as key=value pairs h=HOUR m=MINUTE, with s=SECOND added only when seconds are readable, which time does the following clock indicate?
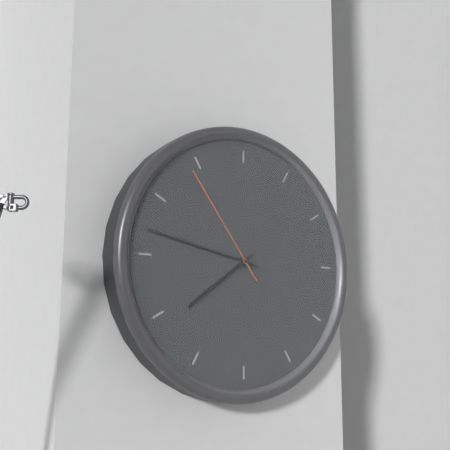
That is h=7 m=47 s=54
